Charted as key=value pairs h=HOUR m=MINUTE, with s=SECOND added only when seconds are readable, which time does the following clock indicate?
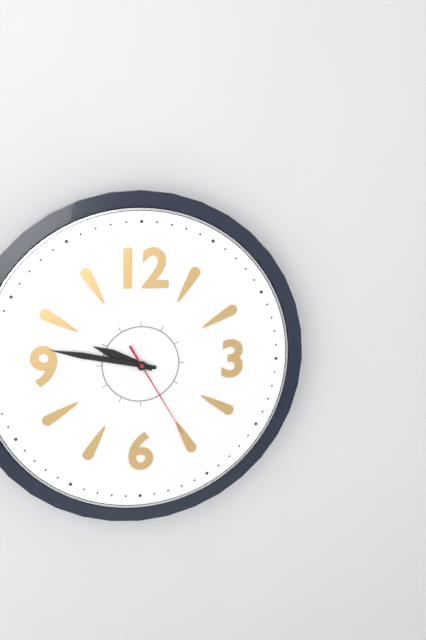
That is h=9 m=47 s=25
